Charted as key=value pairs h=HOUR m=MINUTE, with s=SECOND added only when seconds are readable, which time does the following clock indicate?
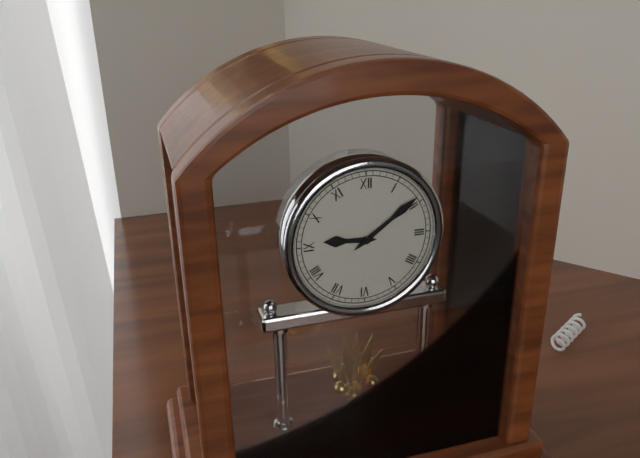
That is h=9 m=9
